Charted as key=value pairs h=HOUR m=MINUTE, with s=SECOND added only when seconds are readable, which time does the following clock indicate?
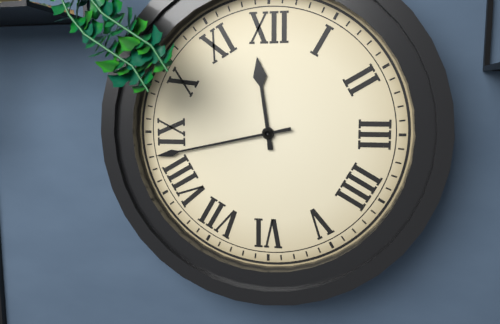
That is h=11 m=43
